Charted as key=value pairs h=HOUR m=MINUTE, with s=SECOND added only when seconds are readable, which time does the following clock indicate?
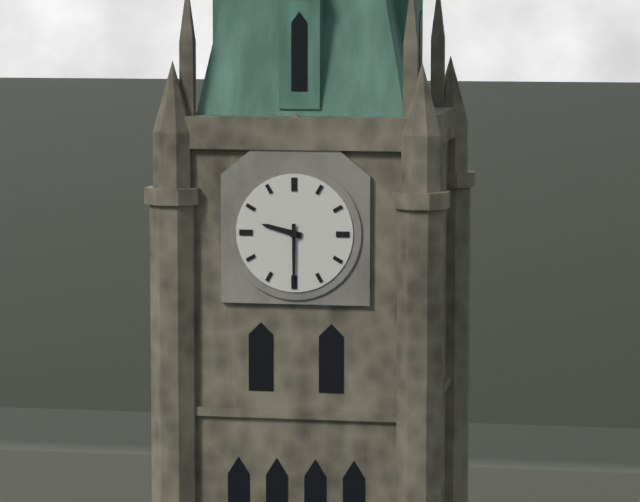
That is h=9 m=30
